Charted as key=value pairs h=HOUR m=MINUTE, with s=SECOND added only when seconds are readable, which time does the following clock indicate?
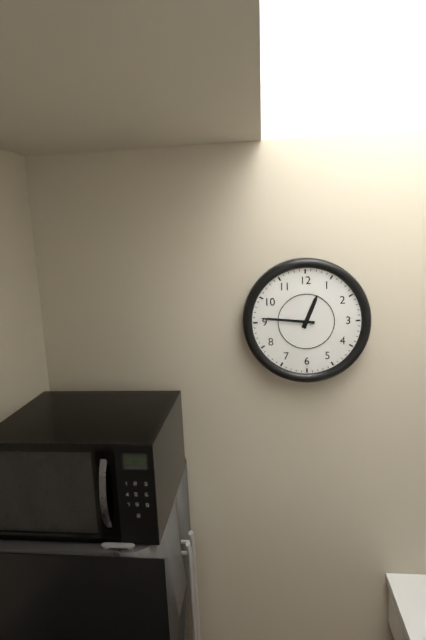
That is h=12 m=46
